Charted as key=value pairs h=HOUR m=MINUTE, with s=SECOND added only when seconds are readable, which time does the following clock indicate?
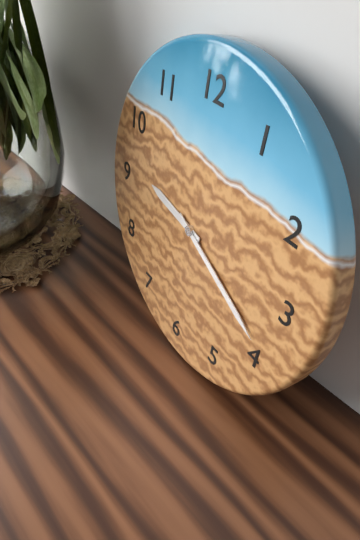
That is h=9 m=19
